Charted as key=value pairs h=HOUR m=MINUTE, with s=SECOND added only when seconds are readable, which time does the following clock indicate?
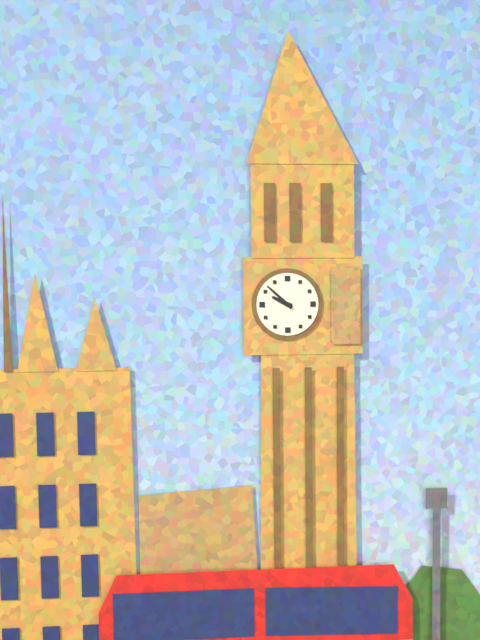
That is h=9 m=52
